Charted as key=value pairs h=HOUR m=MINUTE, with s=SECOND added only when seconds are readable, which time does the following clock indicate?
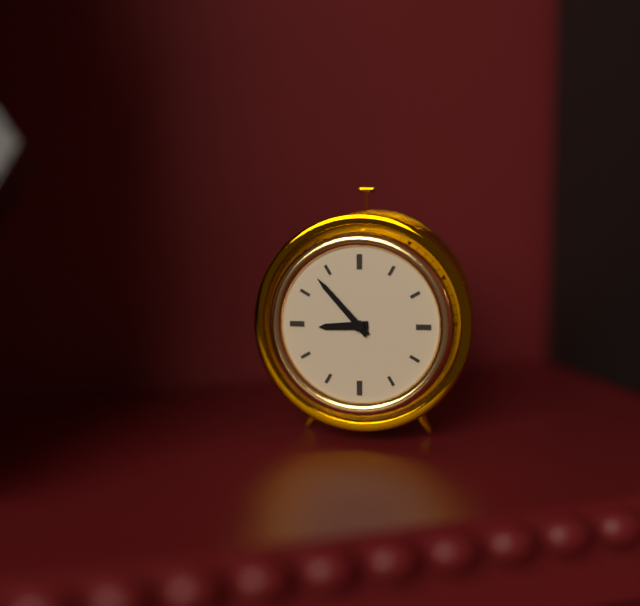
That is h=8 m=53
